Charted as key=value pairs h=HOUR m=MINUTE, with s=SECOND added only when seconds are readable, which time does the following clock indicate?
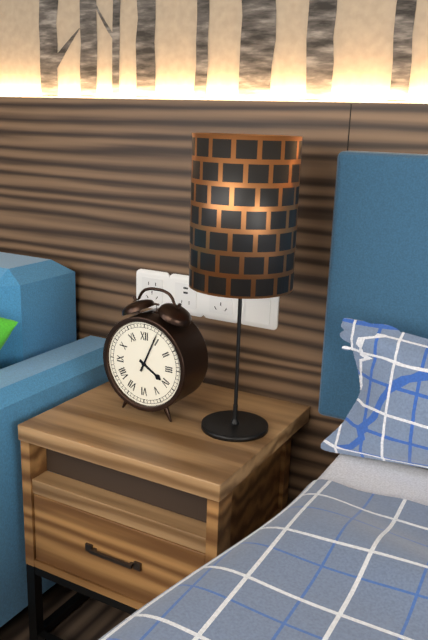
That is h=4 m=4
